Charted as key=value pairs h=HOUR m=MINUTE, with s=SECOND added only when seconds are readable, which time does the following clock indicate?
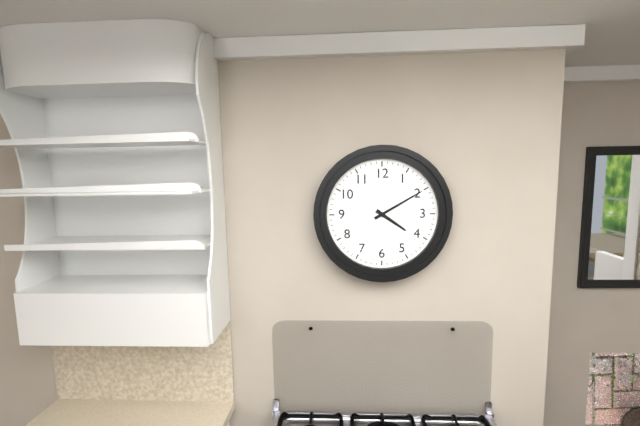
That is h=4 m=10
